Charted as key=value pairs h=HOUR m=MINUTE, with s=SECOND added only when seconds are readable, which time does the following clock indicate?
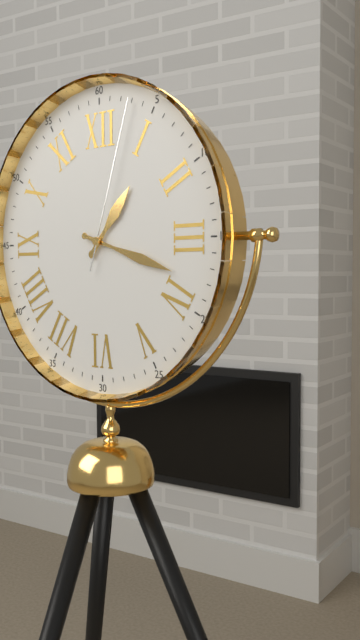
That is h=1 m=18 s=3
